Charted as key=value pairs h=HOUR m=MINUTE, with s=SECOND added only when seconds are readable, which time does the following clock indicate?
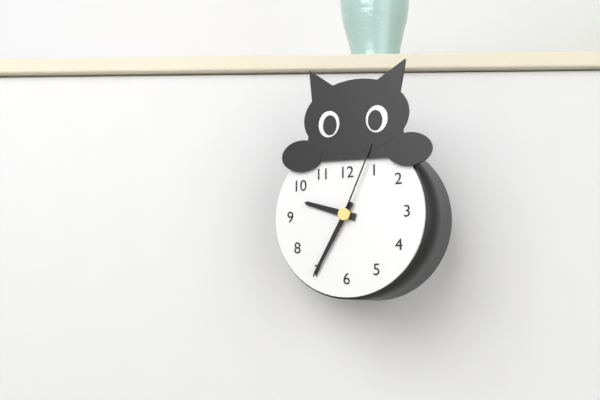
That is h=9 m=35 s=4
